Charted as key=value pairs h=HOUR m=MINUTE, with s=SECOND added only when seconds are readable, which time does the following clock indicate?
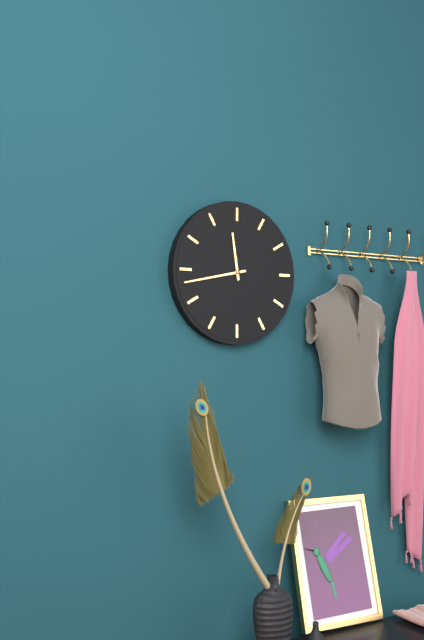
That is h=11 m=43
